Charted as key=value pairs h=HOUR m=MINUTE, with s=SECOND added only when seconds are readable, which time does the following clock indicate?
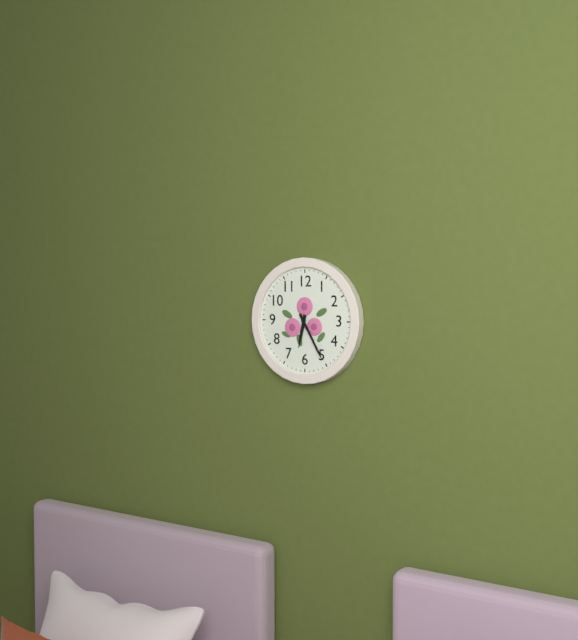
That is h=6 m=25
